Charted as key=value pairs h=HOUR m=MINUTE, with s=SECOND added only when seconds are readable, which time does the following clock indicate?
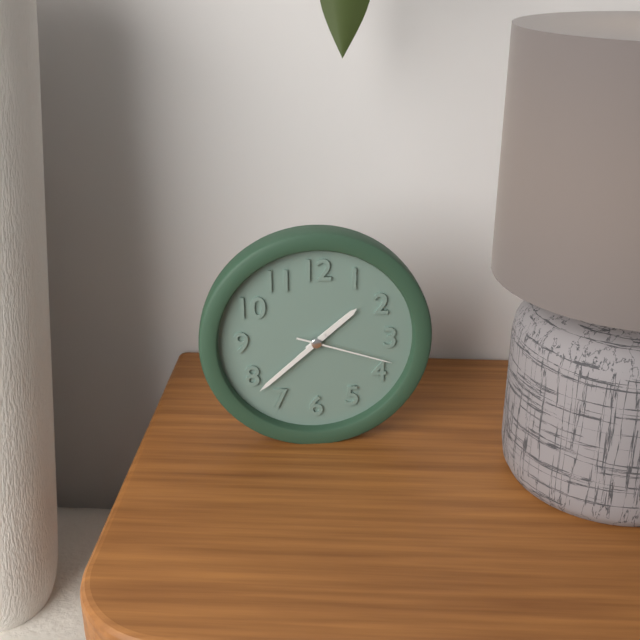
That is h=1 m=38 s=18
